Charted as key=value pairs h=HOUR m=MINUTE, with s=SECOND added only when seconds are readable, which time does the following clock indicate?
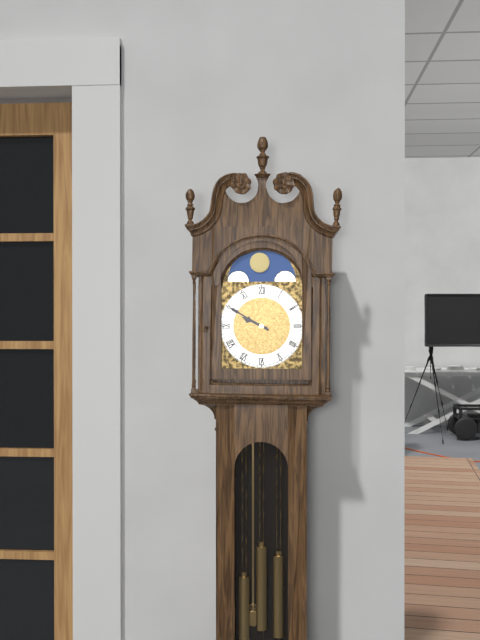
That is h=9 m=50
